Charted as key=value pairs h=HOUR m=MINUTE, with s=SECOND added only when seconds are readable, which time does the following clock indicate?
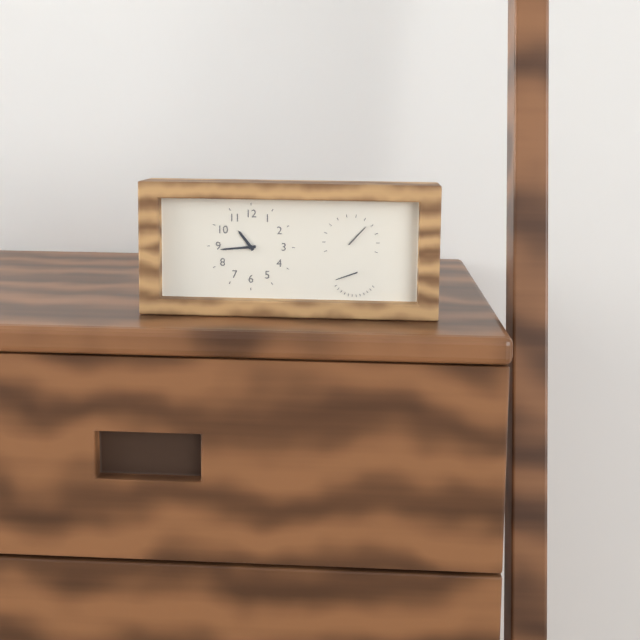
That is h=10 m=44
